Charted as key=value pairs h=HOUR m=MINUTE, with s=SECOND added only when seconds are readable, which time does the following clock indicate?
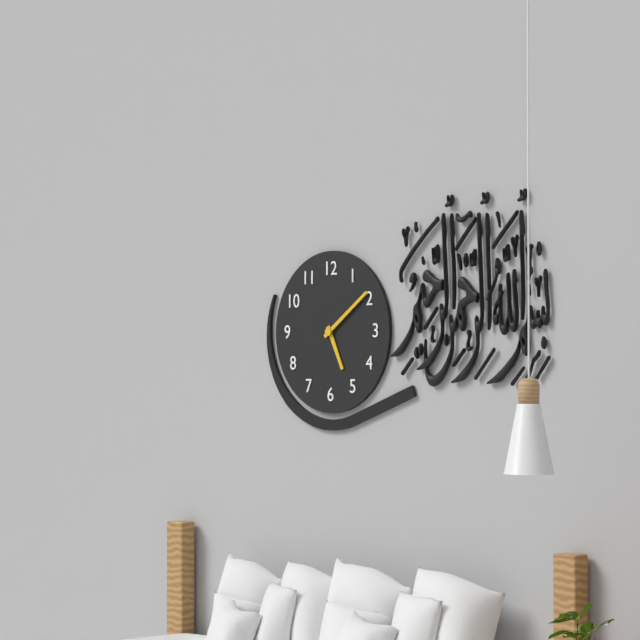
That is h=5 m=9
